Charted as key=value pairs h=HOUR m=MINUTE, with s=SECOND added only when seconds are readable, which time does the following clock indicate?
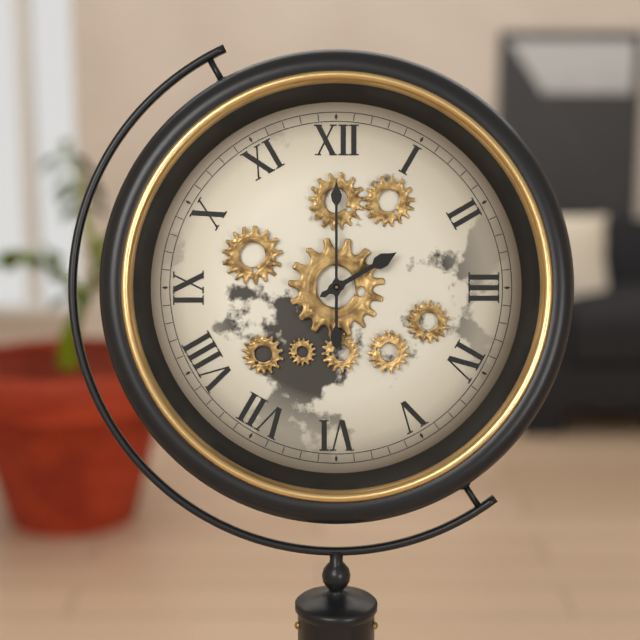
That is h=2 m=0
